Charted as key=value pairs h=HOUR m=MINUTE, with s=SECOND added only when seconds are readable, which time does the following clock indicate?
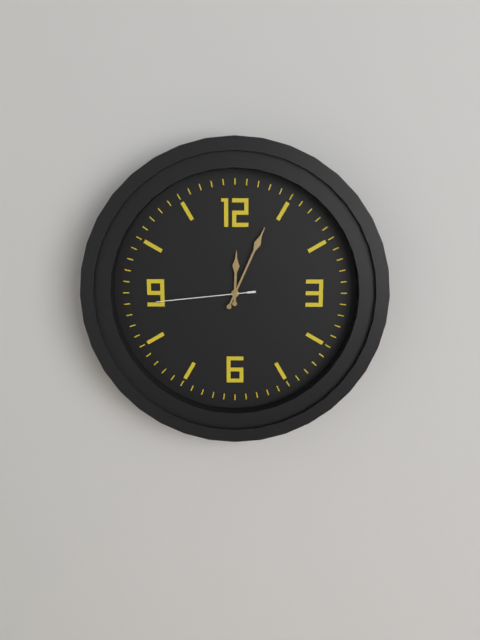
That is h=12 m=4 s=44
